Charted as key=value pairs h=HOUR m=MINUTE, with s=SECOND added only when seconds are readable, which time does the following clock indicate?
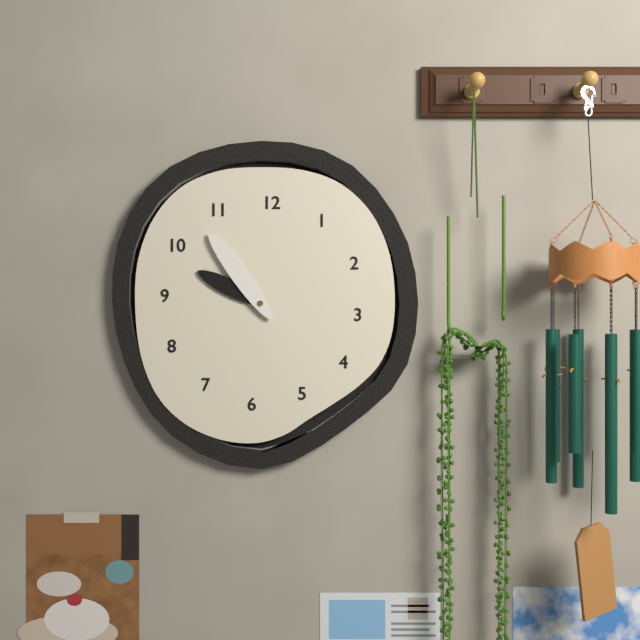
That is h=9 m=54
